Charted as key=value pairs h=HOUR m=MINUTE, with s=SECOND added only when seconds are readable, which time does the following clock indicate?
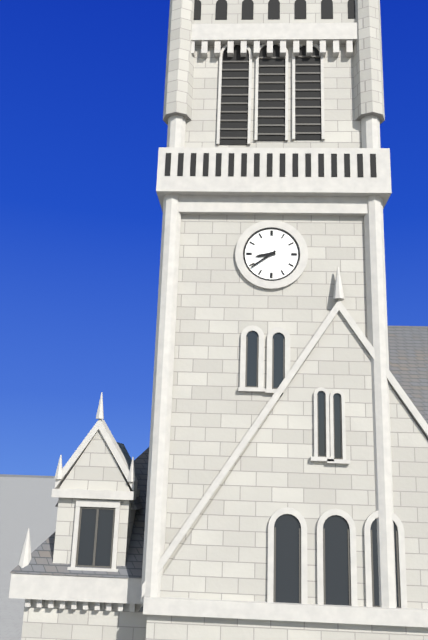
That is h=8 m=39
